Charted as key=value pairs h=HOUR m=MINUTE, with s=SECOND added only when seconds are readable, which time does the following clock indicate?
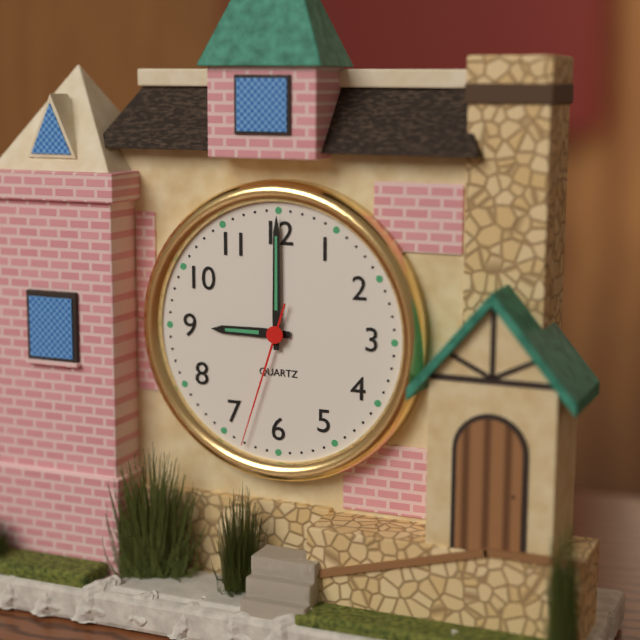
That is h=9 m=0 s=33
